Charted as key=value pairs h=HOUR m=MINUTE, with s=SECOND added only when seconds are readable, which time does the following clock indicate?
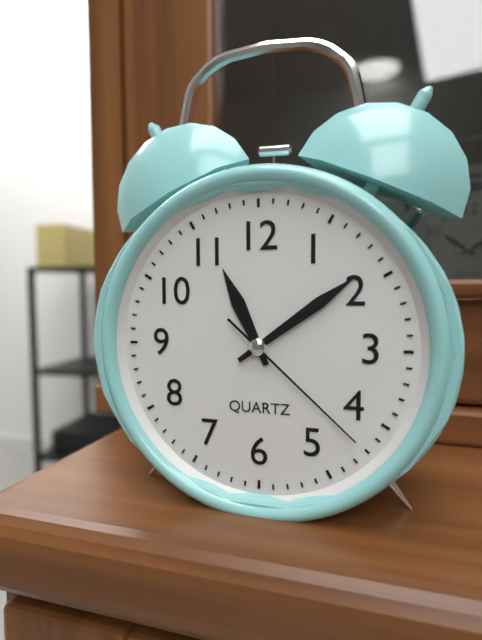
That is h=11 m=9 s=22
